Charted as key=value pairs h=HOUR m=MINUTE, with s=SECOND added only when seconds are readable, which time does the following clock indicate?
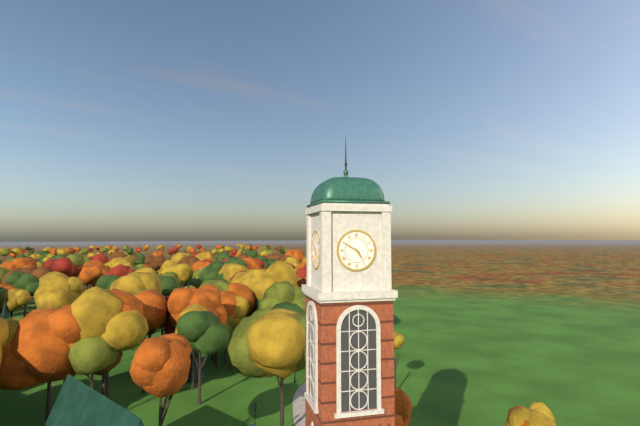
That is h=4 m=50
